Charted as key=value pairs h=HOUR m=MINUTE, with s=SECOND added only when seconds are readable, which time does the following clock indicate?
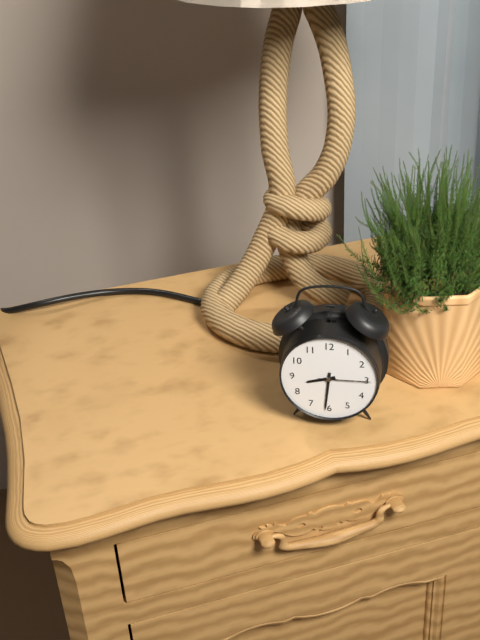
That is h=8 m=31 s=15
